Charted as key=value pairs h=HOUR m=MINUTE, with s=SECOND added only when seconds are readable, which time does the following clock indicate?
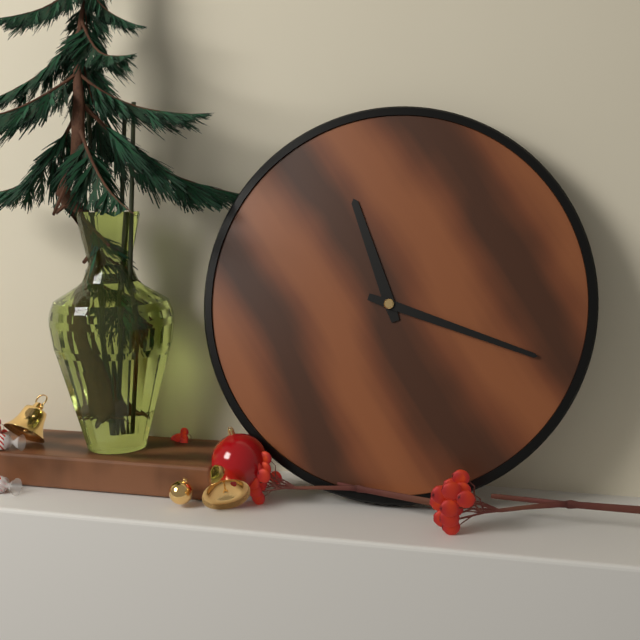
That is h=11 m=18
